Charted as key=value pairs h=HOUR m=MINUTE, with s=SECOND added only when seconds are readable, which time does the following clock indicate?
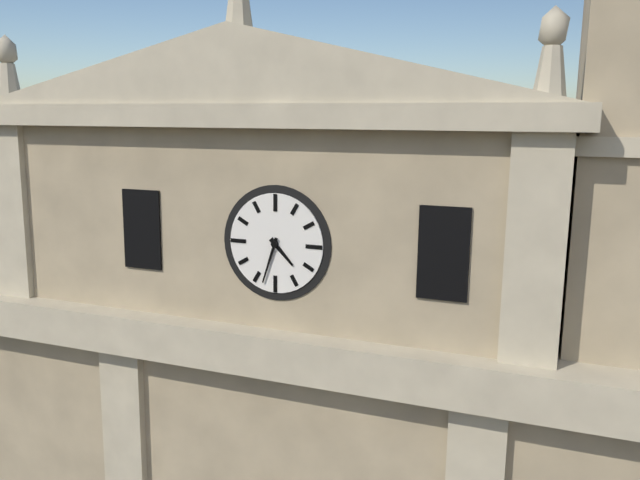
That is h=4 m=33
